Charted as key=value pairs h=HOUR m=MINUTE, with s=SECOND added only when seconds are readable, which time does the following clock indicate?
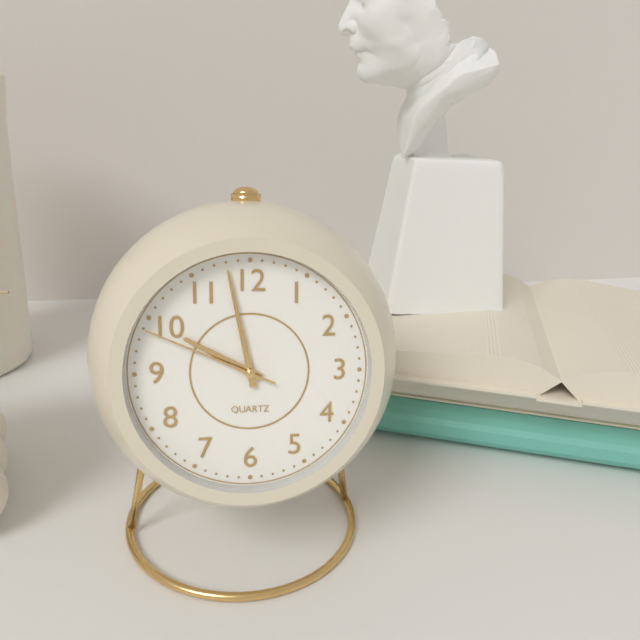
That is h=9 m=58 s=49
